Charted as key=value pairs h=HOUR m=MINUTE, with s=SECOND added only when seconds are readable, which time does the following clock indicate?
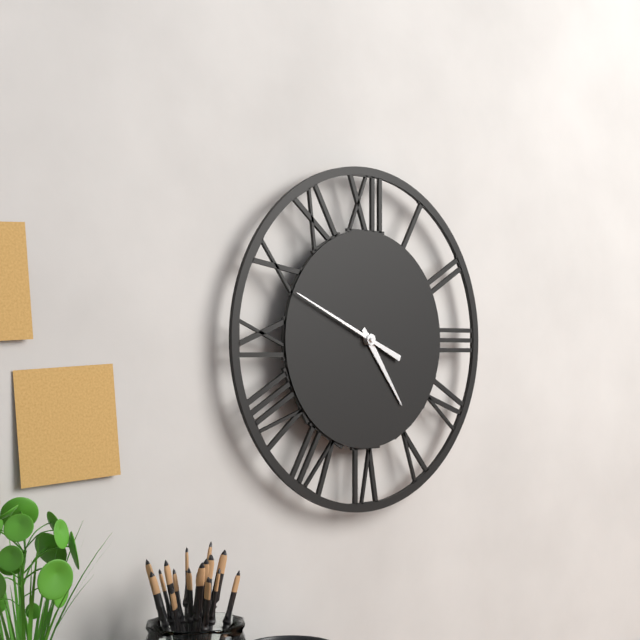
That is h=4 m=49
